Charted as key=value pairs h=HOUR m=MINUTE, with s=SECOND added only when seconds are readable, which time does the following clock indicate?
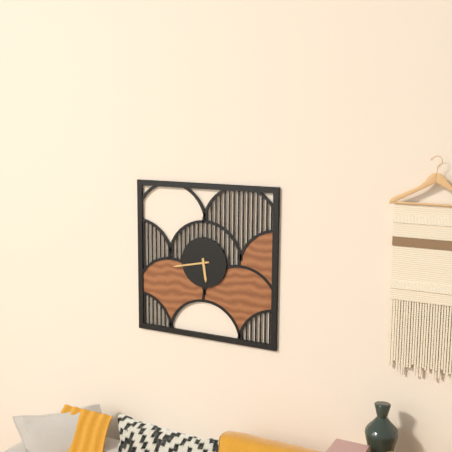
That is h=5 m=43
